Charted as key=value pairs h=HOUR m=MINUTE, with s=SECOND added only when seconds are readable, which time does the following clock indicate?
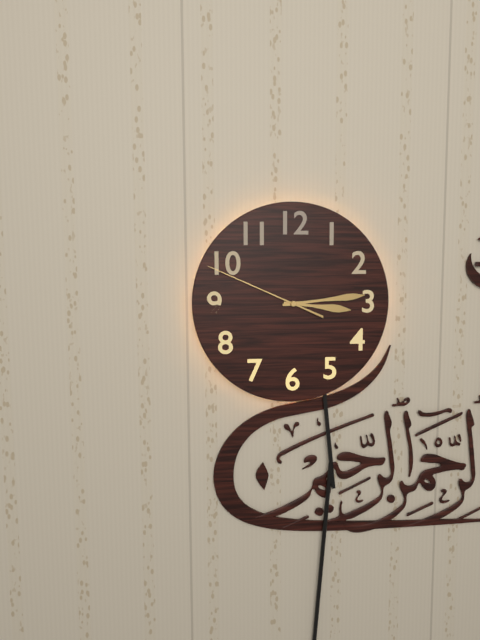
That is h=3 m=14 s=49
